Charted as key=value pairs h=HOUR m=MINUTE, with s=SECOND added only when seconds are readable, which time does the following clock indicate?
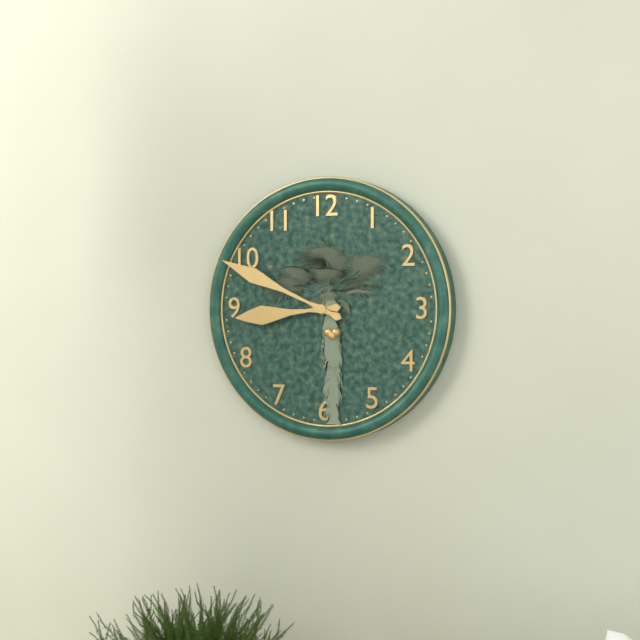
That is h=8 m=49
